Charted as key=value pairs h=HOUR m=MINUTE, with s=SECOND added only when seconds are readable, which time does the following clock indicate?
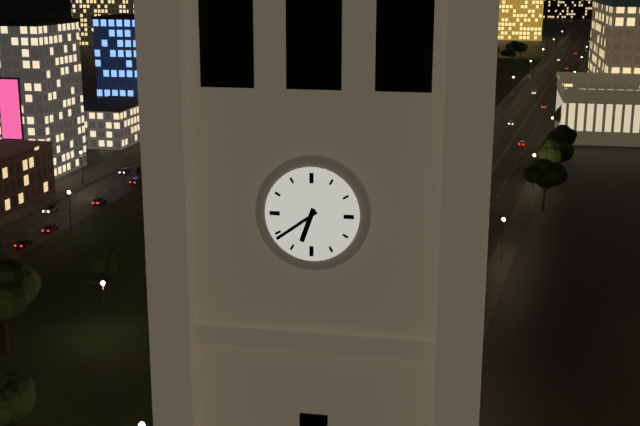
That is h=6 m=39
